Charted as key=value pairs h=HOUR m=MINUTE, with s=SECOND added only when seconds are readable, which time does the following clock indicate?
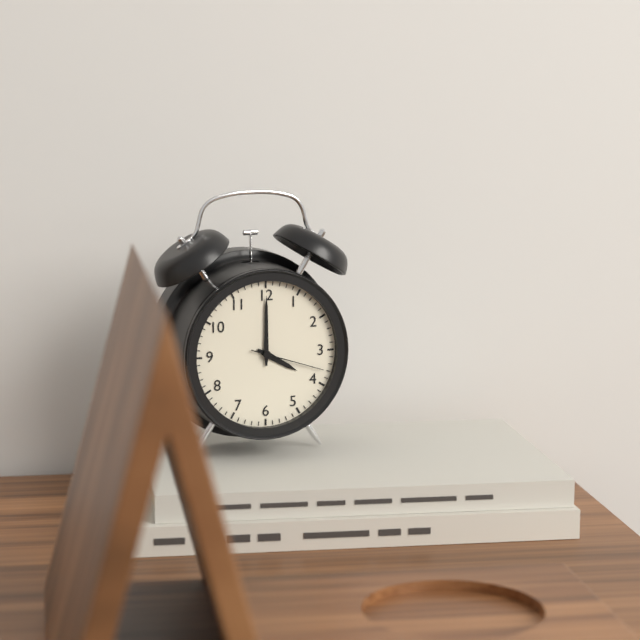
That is h=4 m=0 s=18
